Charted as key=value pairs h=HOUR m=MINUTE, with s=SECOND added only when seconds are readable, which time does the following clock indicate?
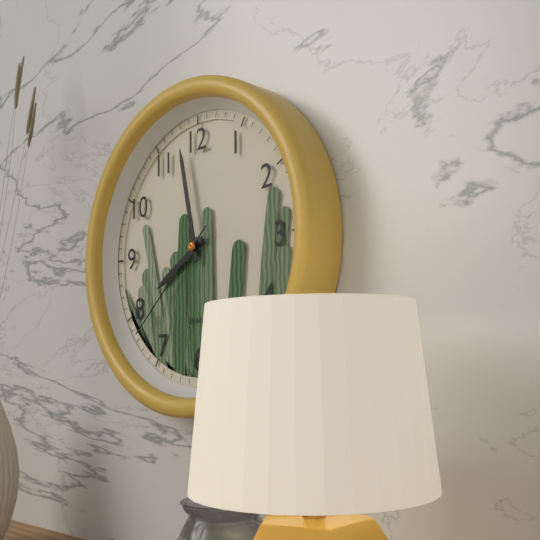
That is h=7 m=58 s=38
